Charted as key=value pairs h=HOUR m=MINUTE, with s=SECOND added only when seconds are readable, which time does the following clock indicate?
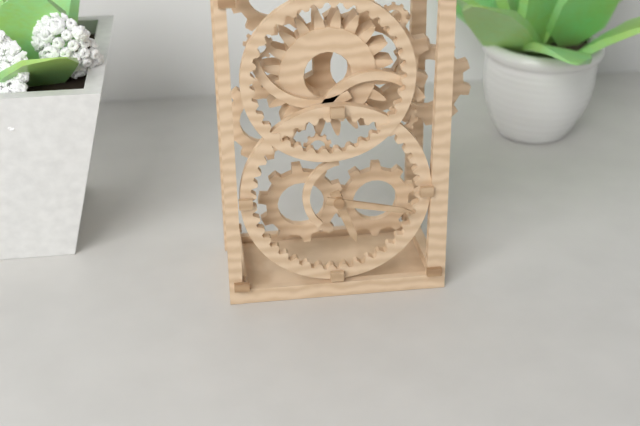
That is h=5 m=17
